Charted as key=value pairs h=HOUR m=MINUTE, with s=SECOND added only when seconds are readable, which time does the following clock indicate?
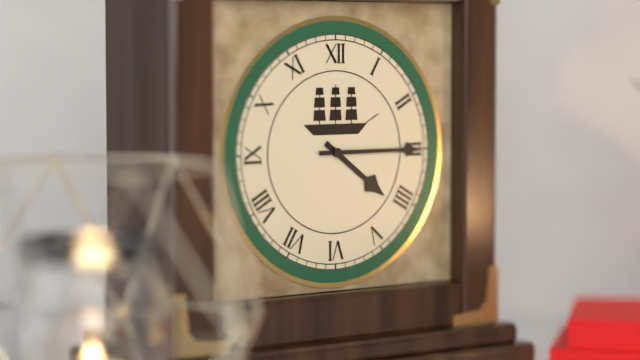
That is h=4 m=15
